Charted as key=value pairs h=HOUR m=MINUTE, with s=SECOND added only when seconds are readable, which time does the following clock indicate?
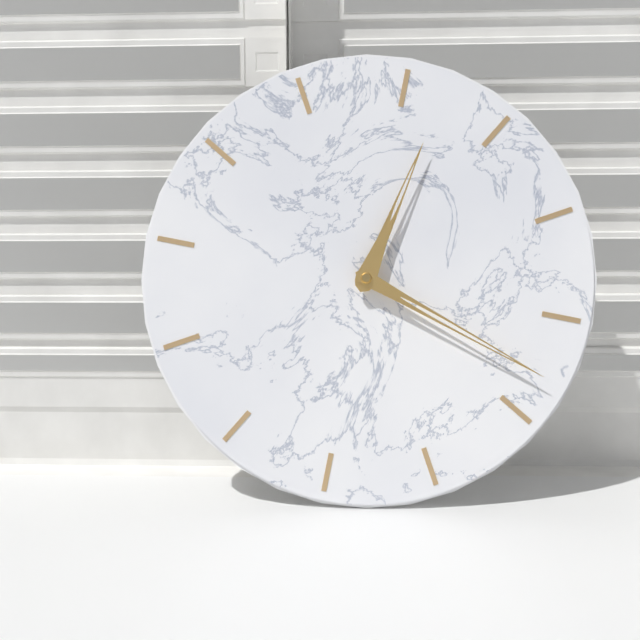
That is h=1 m=23
